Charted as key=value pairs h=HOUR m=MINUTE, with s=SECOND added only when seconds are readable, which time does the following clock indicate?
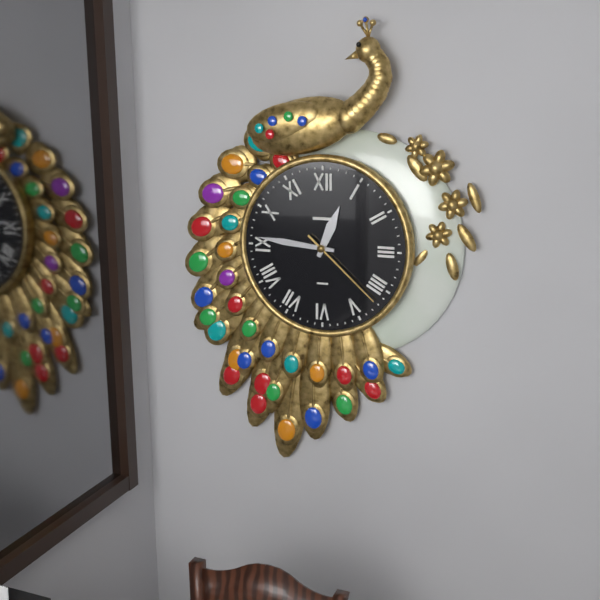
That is h=12 m=46 s=22
